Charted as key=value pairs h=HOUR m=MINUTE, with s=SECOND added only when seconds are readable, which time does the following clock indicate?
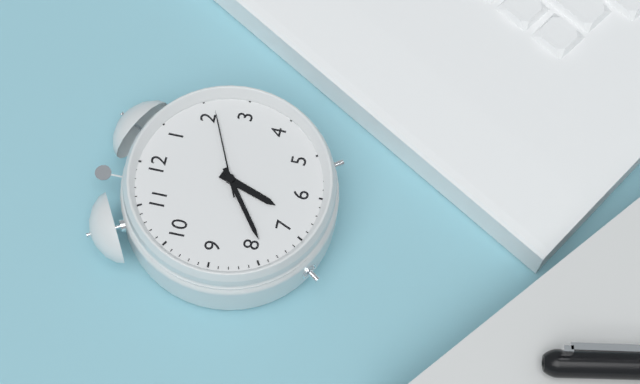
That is h=6 m=39 s=11
